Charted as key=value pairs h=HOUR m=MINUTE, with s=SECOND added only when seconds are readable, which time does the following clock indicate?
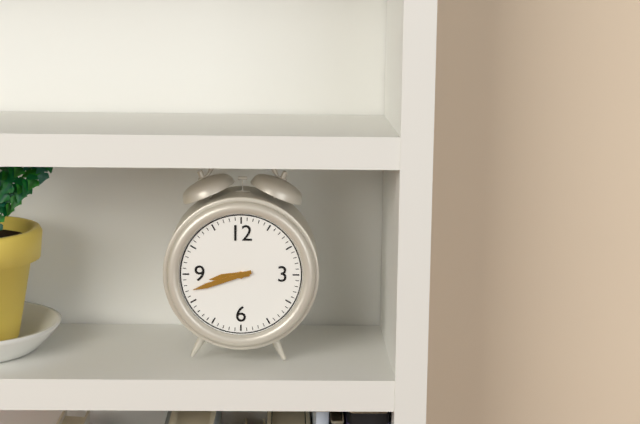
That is h=8 m=42
